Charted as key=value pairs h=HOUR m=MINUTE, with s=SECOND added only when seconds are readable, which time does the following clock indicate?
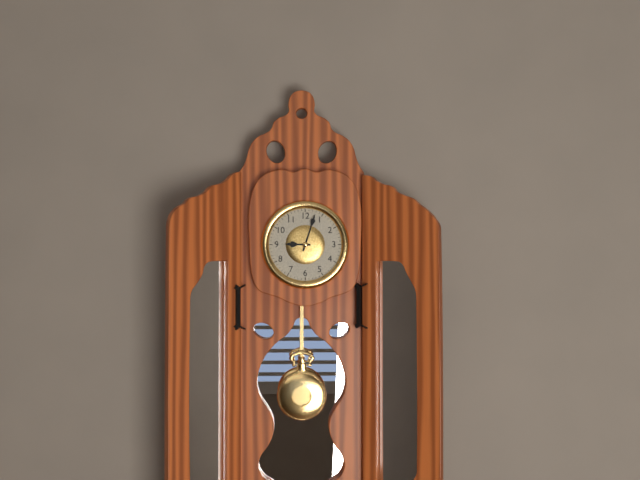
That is h=9 m=3
